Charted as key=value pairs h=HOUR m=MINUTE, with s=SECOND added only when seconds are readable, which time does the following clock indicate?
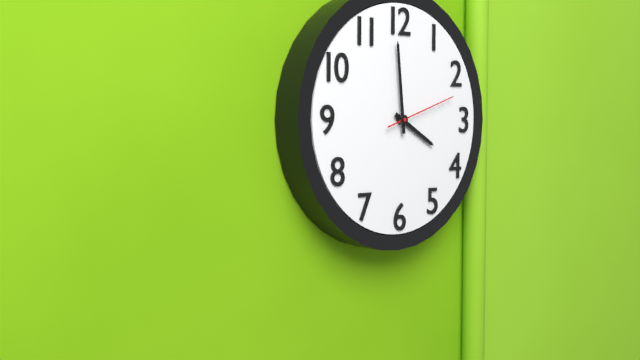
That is h=3 m=59 s=12
